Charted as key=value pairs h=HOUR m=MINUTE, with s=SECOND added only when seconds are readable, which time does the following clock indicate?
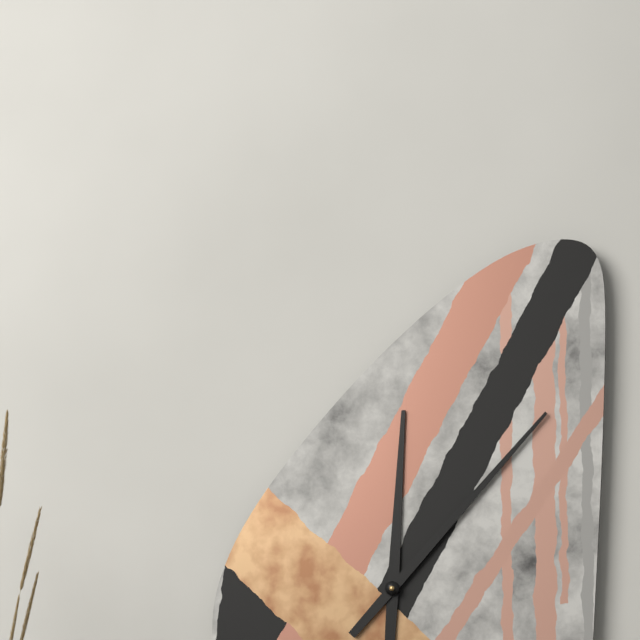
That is h=12 m=7
